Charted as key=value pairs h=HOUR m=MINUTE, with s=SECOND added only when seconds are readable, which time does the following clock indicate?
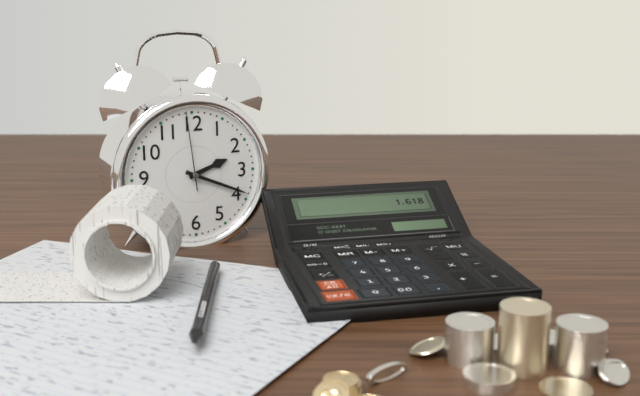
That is h=2 m=19 s=59
